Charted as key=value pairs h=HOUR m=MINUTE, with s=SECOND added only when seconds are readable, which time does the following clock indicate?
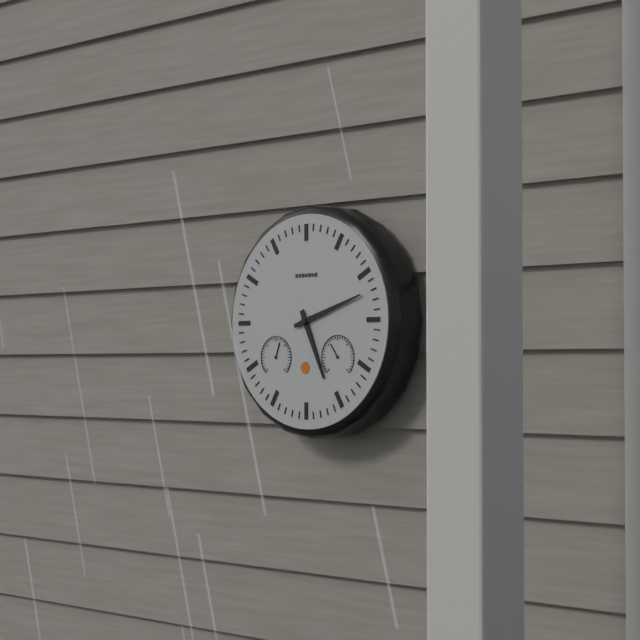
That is h=5 m=12
